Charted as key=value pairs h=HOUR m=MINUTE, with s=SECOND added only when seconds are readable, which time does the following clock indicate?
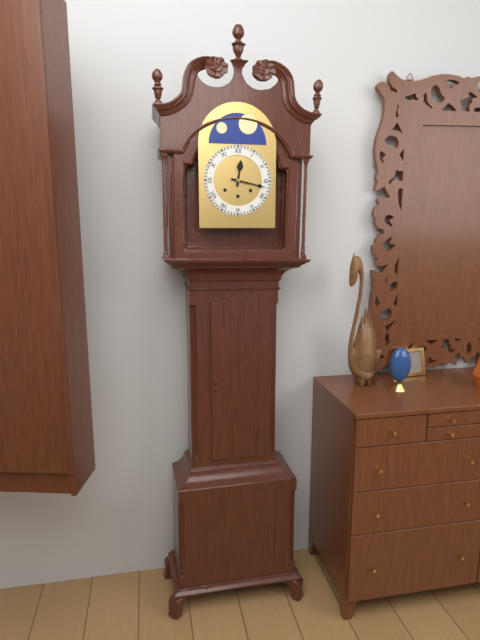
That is h=12 m=17
